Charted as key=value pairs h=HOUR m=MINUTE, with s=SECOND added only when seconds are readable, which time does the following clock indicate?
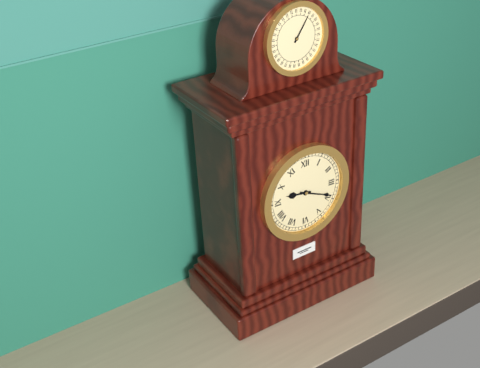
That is h=9 m=19
